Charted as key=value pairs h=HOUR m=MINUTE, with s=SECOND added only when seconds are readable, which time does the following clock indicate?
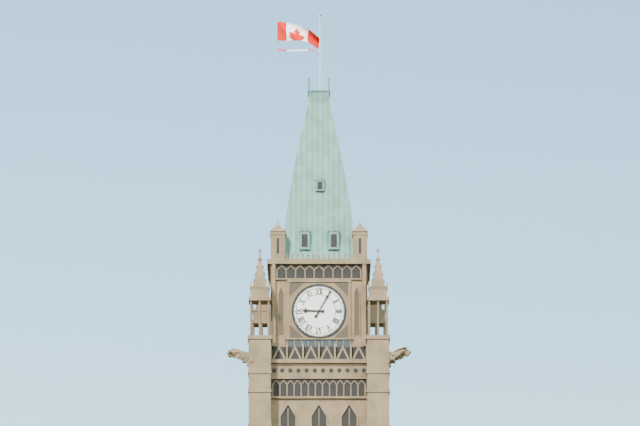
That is h=9 m=5
